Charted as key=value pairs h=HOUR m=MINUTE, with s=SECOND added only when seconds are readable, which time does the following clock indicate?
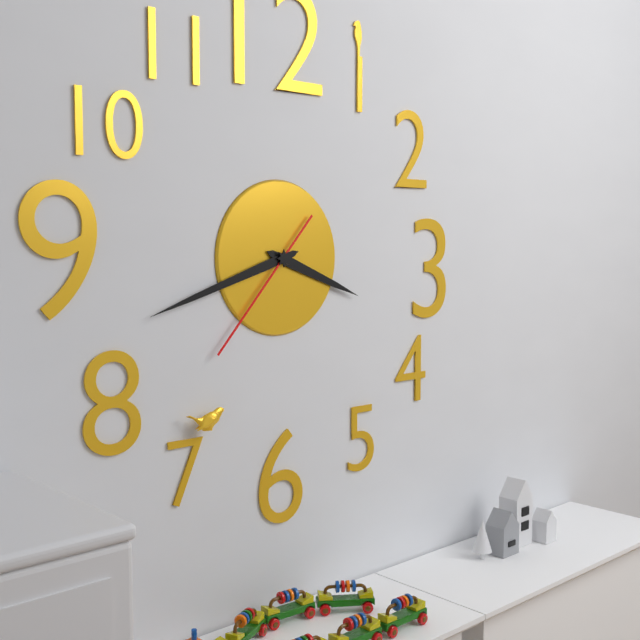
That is h=3 m=42 s=37
